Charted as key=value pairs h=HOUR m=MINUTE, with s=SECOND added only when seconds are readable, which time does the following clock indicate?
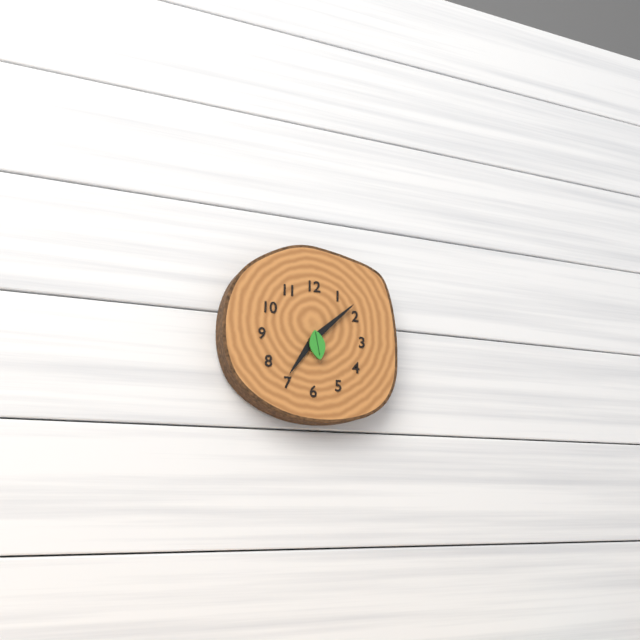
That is h=7 m=8
